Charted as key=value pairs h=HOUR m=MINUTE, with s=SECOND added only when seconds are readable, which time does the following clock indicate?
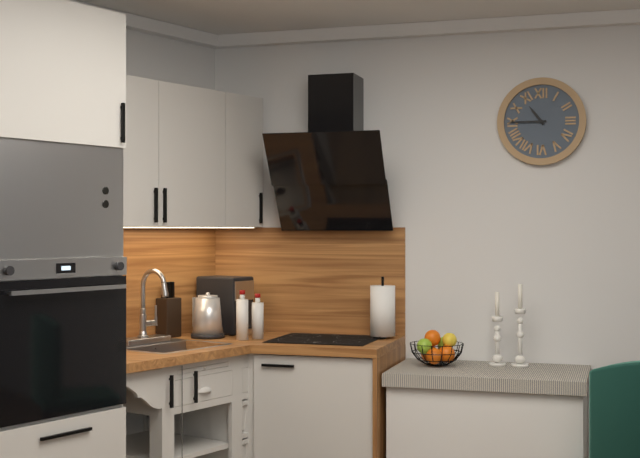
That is h=10 m=45
